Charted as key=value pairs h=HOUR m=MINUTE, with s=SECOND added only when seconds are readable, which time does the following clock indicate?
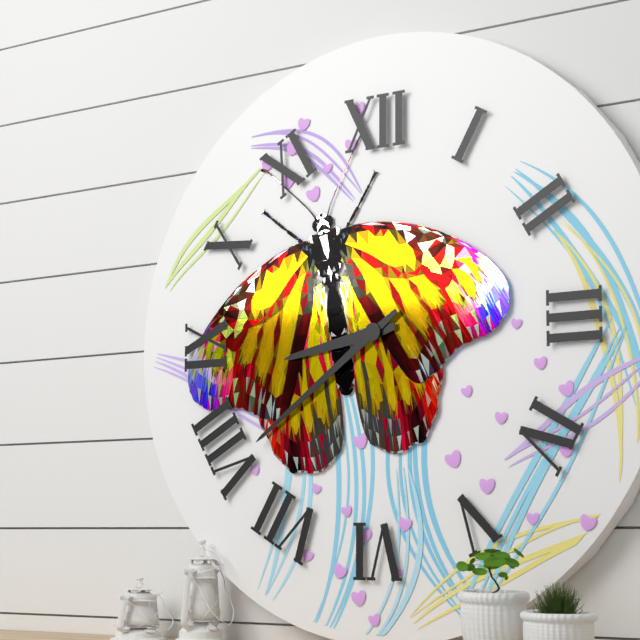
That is h=8 m=39
